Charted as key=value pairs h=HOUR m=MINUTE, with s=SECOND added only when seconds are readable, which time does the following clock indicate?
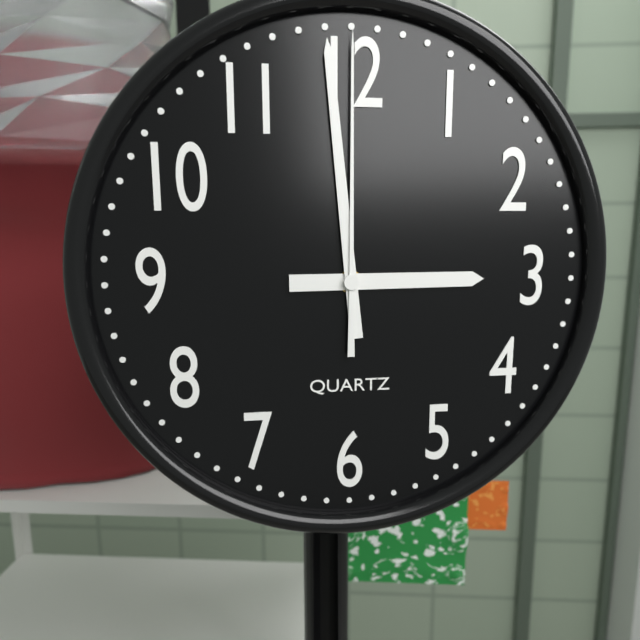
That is h=2 m=59 s=0
